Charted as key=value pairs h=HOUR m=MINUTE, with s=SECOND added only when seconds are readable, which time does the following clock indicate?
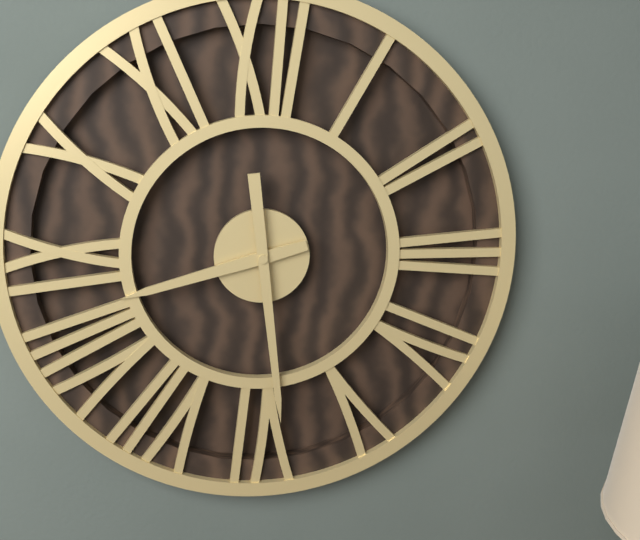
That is h=8 m=29
